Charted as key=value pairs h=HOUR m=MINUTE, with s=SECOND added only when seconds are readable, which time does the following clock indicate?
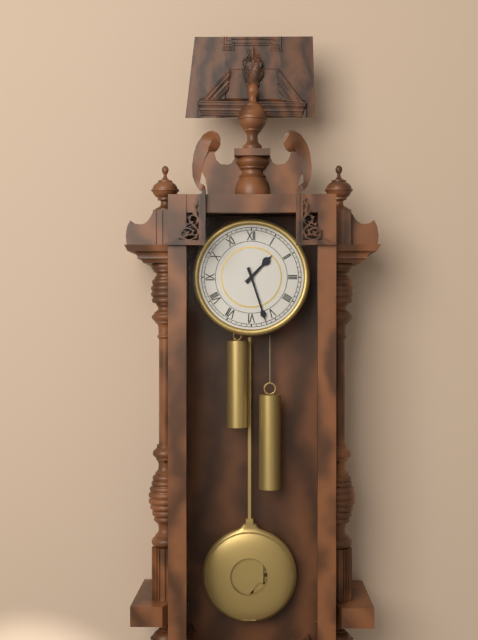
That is h=1 m=27
